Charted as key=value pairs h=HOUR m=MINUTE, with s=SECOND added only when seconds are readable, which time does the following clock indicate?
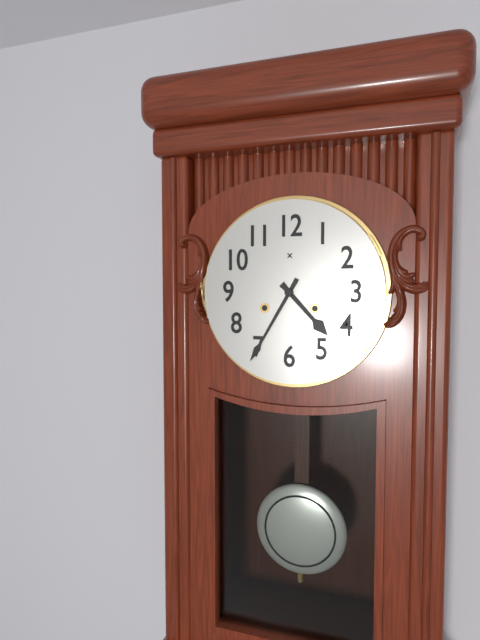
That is h=4 m=35
